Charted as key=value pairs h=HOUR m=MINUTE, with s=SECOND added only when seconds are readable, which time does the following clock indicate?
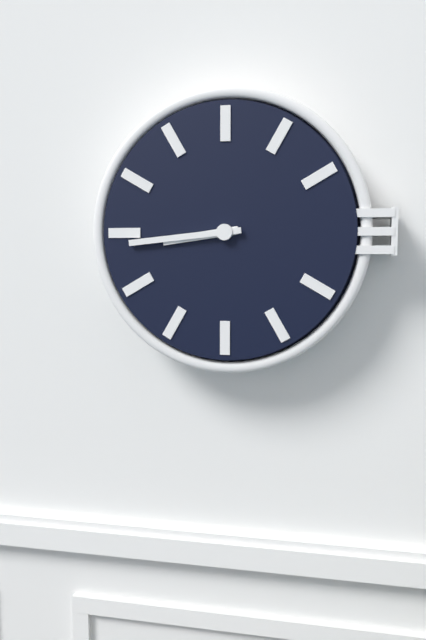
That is h=8 m=44
